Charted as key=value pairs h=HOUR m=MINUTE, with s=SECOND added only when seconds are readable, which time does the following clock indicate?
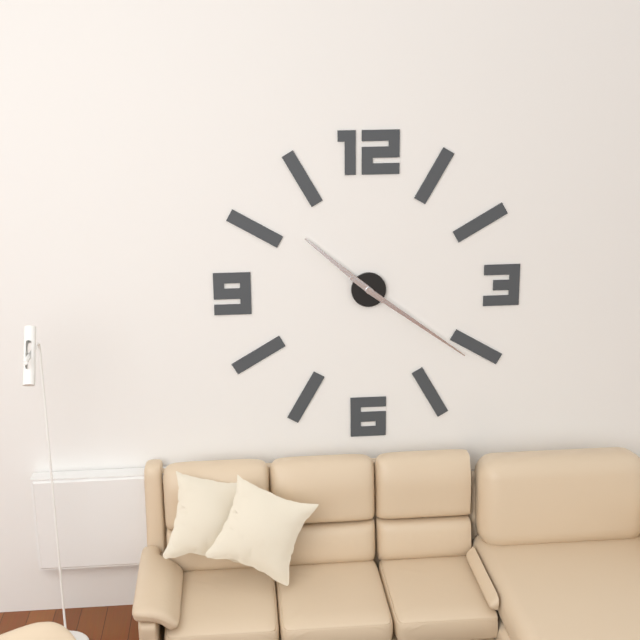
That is h=10 m=21
